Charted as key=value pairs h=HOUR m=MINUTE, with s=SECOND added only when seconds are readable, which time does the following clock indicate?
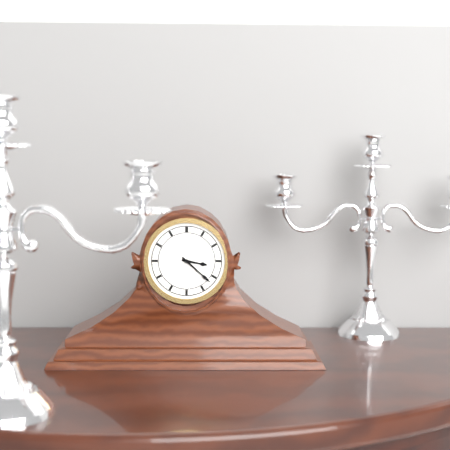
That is h=3 m=22
